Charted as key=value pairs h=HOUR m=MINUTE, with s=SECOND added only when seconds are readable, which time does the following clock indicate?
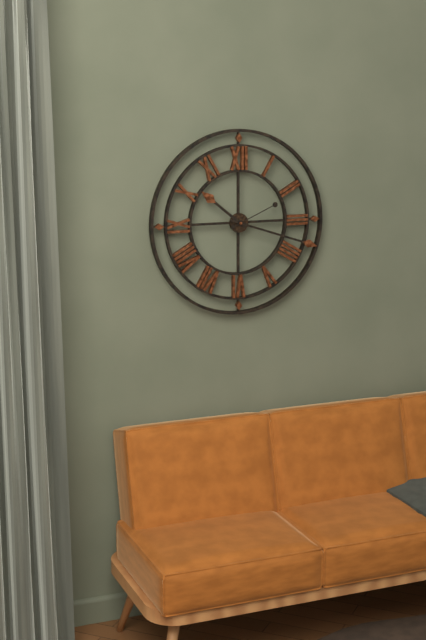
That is h=10 m=18 s=11
